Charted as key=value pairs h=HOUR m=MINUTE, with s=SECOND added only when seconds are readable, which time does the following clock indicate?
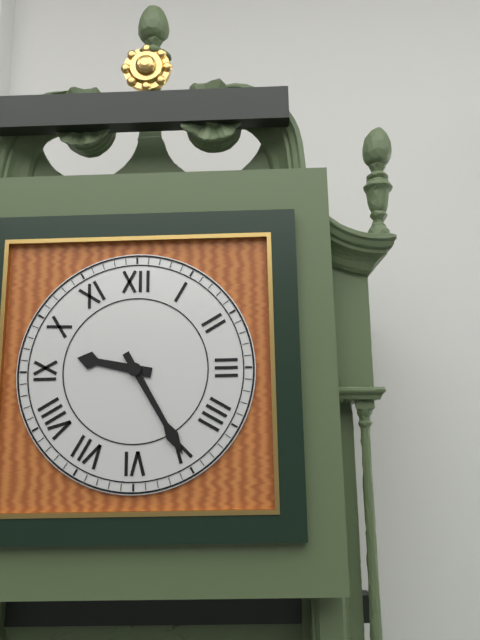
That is h=9 m=25
